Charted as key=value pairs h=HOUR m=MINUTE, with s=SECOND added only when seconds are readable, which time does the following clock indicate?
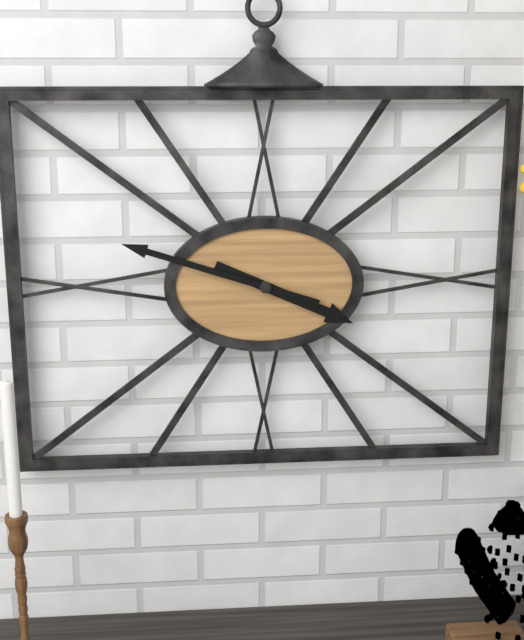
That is h=3 m=48
